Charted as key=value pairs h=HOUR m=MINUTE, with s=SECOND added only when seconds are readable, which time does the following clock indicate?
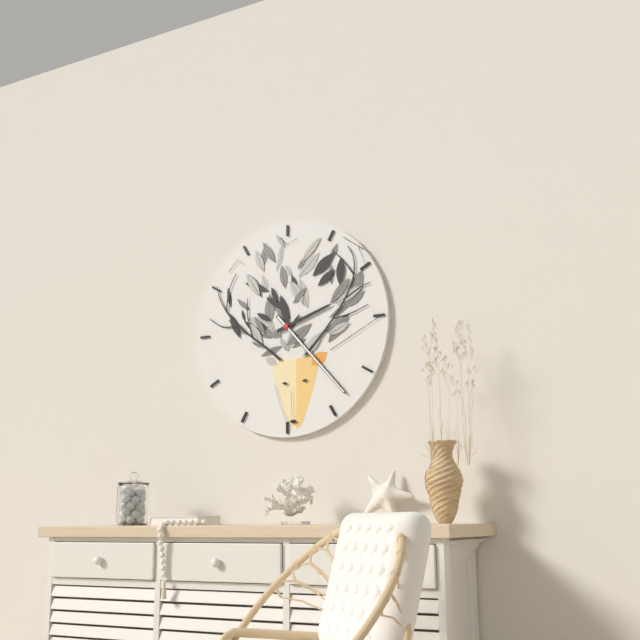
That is h=2 m=23
